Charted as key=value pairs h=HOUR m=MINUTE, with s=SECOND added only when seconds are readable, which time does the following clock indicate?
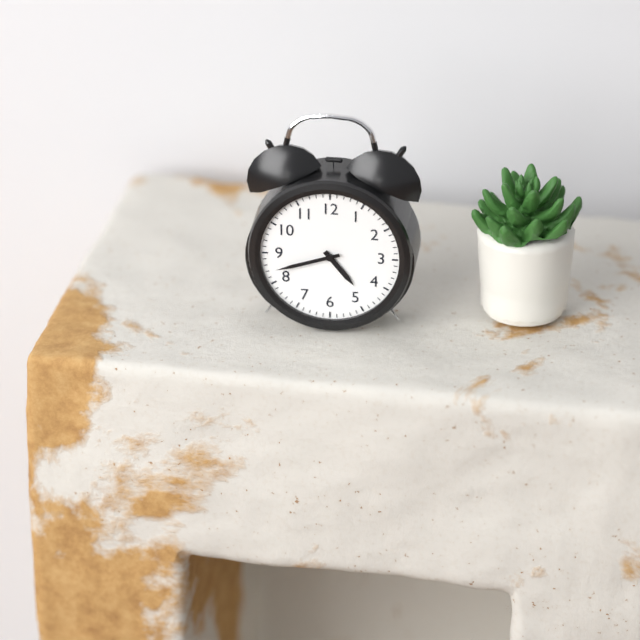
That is h=4 m=42
